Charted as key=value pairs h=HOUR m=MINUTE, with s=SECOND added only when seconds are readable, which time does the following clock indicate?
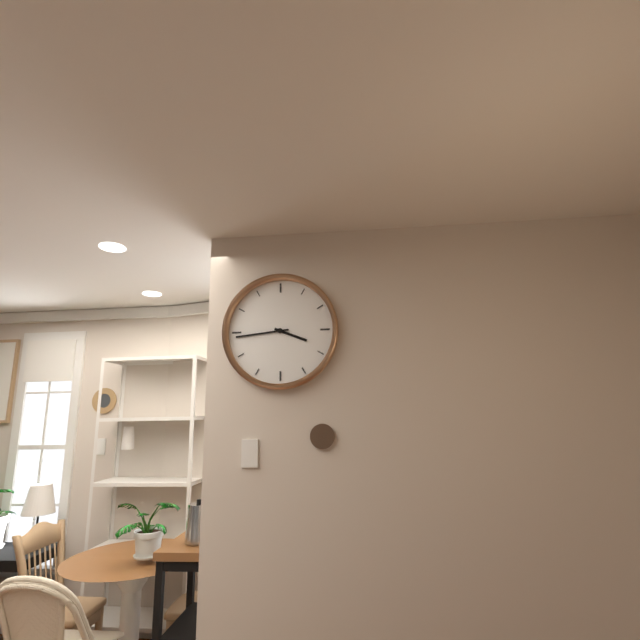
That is h=3 m=44
